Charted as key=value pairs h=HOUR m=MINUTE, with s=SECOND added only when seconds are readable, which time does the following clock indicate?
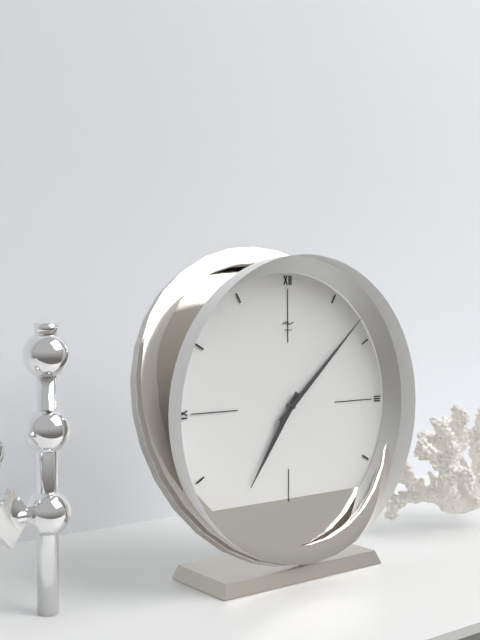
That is h=7 m=8
